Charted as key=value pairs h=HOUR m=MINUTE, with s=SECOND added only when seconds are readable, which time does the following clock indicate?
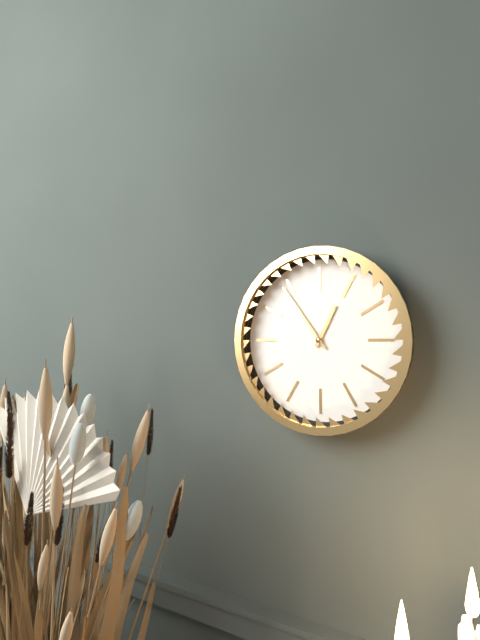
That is h=12 m=54
